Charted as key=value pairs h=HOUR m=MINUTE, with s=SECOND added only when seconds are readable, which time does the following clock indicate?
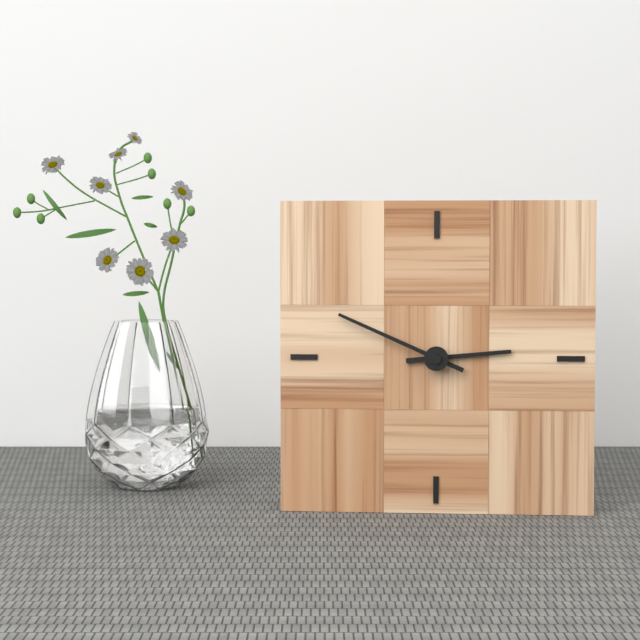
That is h=2 m=49
